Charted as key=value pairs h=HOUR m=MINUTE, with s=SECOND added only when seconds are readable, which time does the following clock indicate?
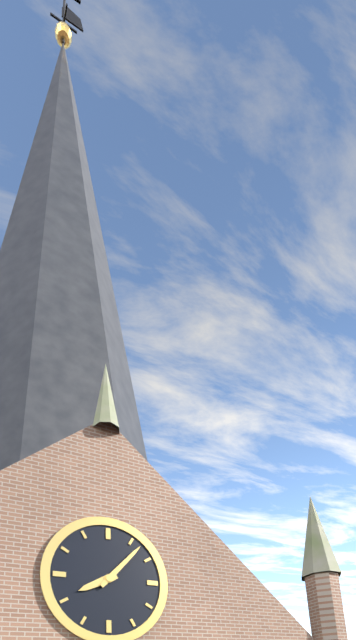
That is h=8 m=7
